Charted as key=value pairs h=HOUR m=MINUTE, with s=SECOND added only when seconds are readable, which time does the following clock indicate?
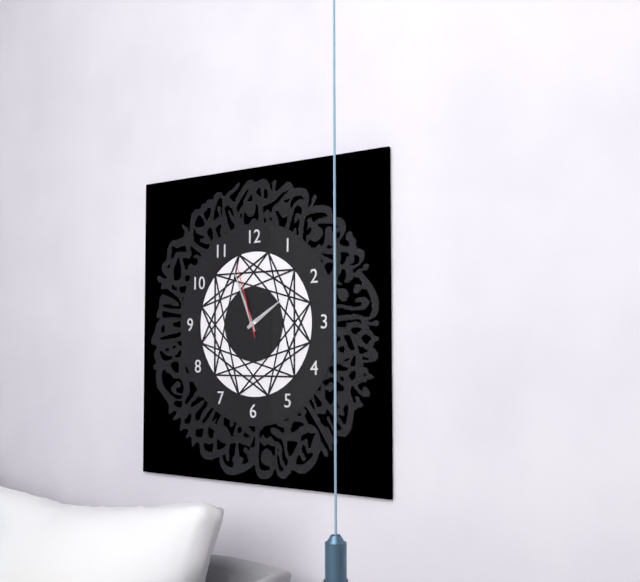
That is h=1 m=56 s=57
